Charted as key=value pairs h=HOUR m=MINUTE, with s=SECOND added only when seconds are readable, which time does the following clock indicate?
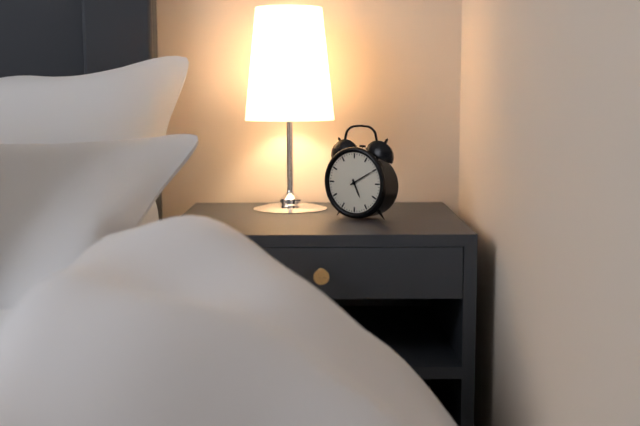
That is h=5 m=10
